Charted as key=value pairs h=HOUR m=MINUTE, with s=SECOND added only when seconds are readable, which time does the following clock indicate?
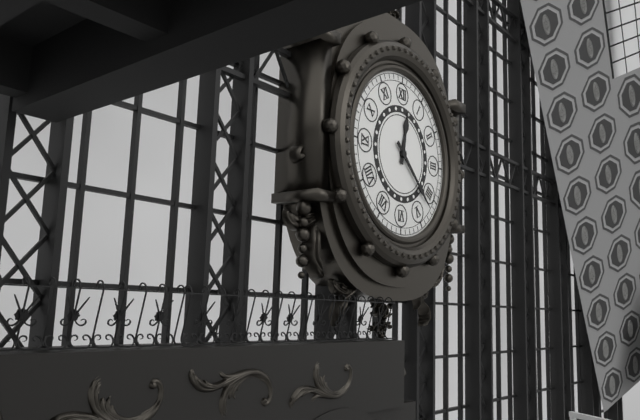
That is h=12 m=22
